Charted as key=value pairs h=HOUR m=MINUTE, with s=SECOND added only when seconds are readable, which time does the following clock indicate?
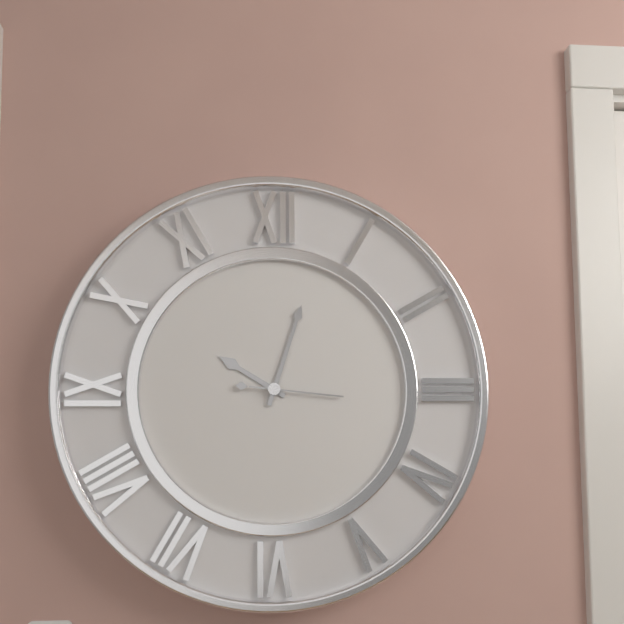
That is h=10 m=3 s=16
